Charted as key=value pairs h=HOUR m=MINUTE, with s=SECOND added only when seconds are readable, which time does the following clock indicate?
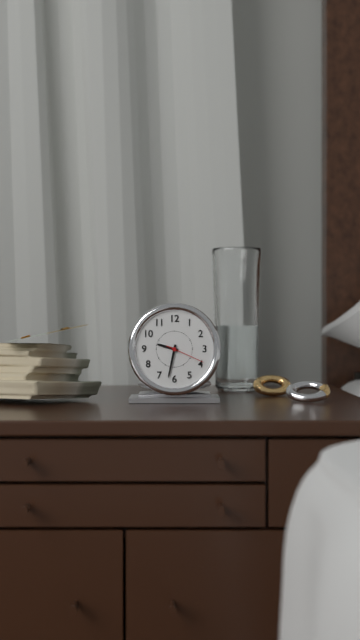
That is h=9 m=32
